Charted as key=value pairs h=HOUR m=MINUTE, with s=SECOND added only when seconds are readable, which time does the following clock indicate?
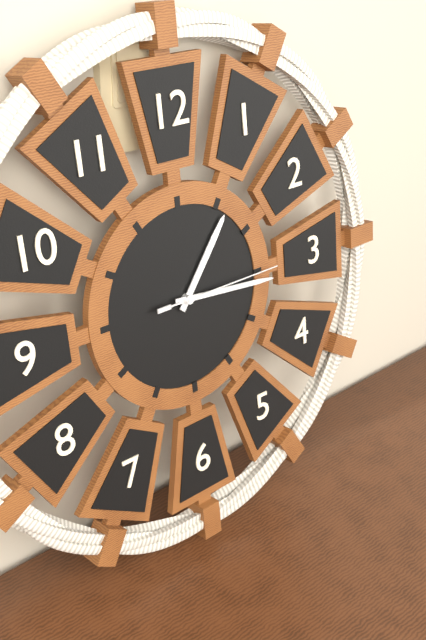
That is h=1 m=16 s=15
